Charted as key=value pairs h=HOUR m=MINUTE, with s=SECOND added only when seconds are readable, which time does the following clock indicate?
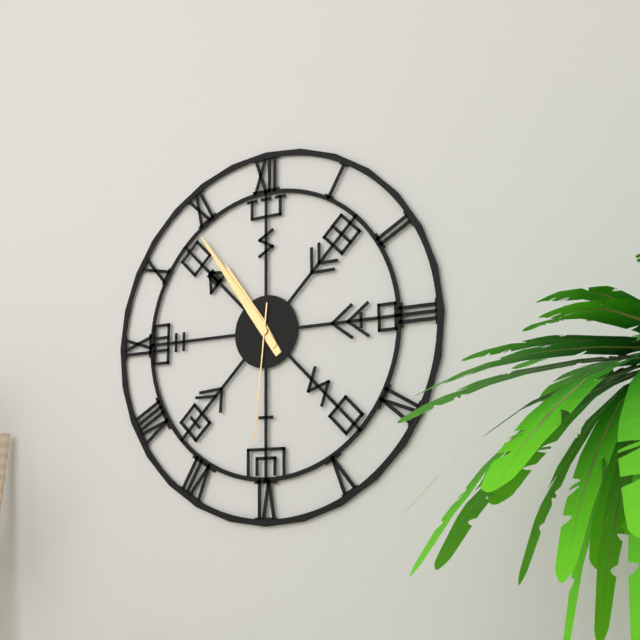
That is h=10 m=54 s=31
